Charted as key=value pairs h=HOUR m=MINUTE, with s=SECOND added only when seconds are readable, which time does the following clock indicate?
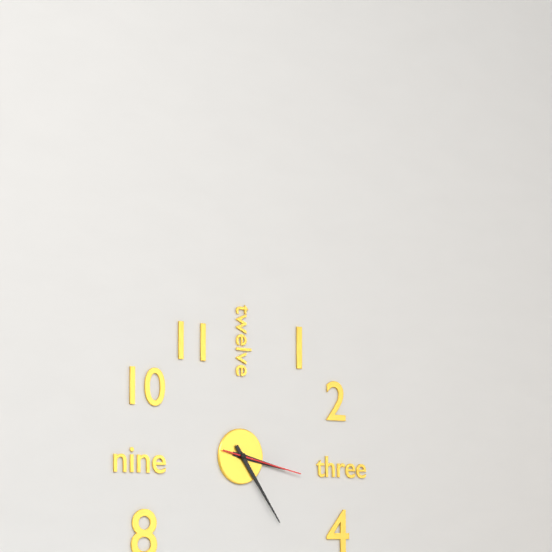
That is h=3 m=24 s=17
